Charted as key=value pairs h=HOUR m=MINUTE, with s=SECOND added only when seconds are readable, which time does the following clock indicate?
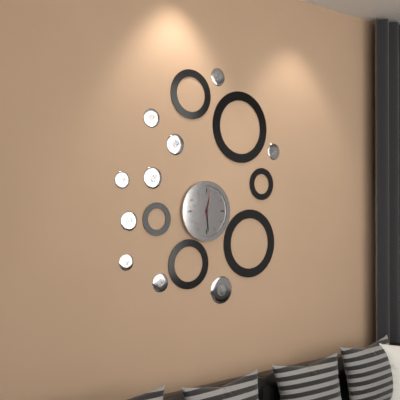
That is h=12 m=29
